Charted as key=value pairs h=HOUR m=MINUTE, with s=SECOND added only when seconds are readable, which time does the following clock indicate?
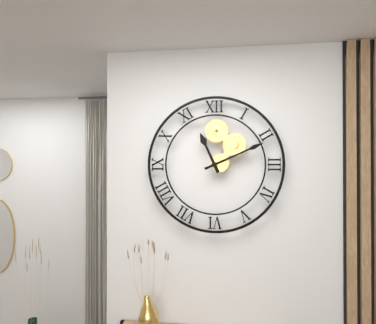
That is h=11 m=11
